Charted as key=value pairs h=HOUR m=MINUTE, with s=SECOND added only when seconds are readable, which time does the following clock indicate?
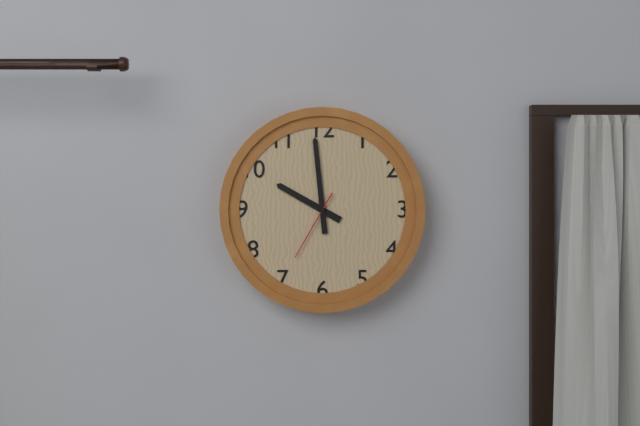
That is h=9 m=59 s=35
